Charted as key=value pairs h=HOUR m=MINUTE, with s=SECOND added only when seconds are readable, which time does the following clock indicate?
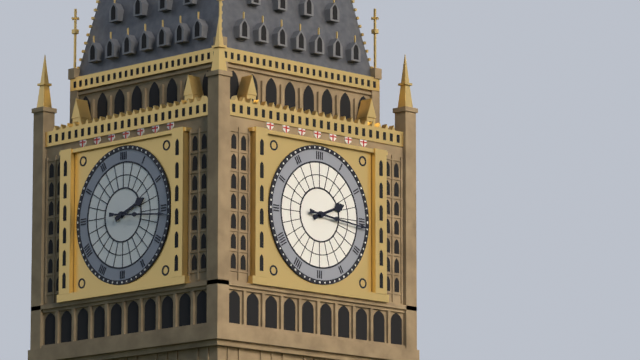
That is h=2 m=16
